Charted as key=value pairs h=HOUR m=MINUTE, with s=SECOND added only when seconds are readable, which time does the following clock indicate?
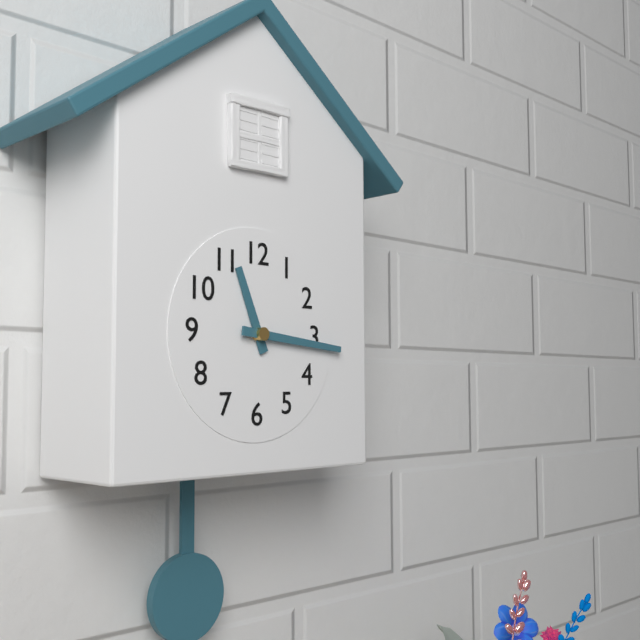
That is h=11 m=16
